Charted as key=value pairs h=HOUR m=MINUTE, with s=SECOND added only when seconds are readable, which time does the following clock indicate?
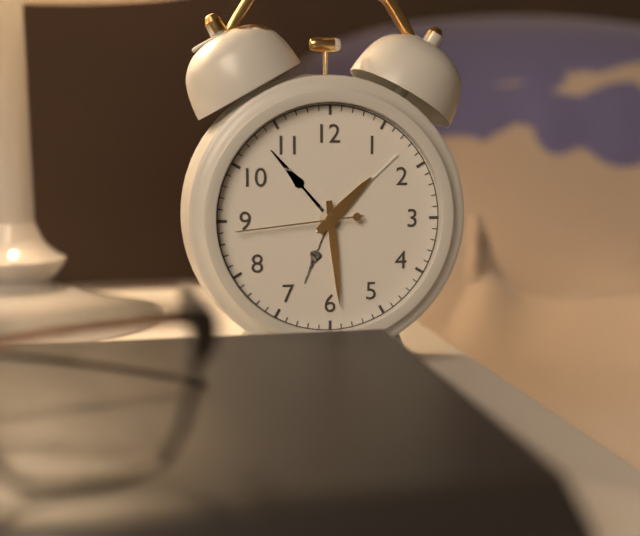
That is h=1 m=29 s=44
